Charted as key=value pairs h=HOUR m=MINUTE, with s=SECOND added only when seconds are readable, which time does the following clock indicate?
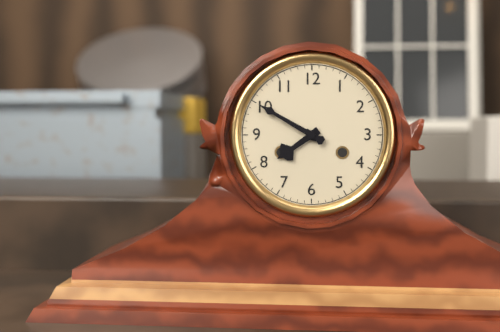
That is h=7 m=50
